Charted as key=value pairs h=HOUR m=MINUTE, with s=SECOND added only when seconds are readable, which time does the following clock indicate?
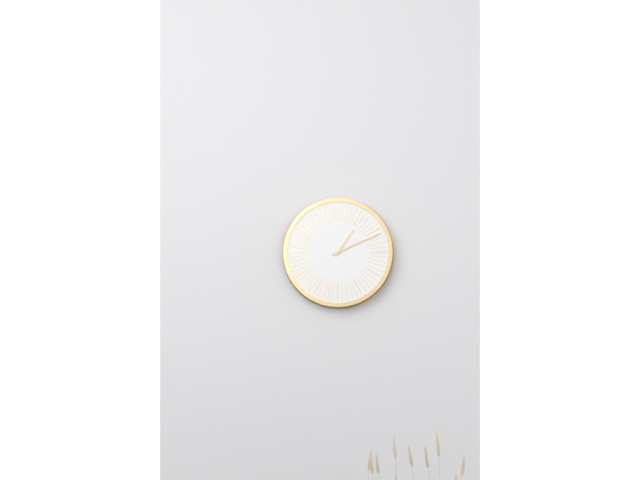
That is h=1 m=11
